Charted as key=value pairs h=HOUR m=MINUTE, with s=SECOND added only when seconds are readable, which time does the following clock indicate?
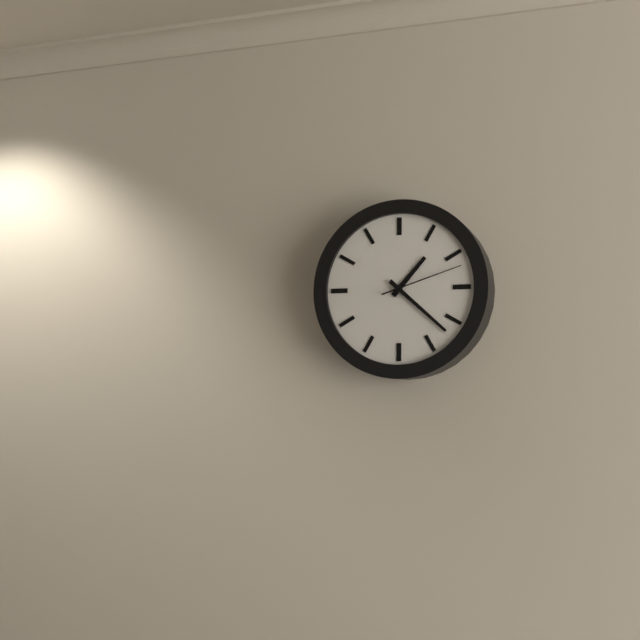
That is h=1 m=22 s=12
